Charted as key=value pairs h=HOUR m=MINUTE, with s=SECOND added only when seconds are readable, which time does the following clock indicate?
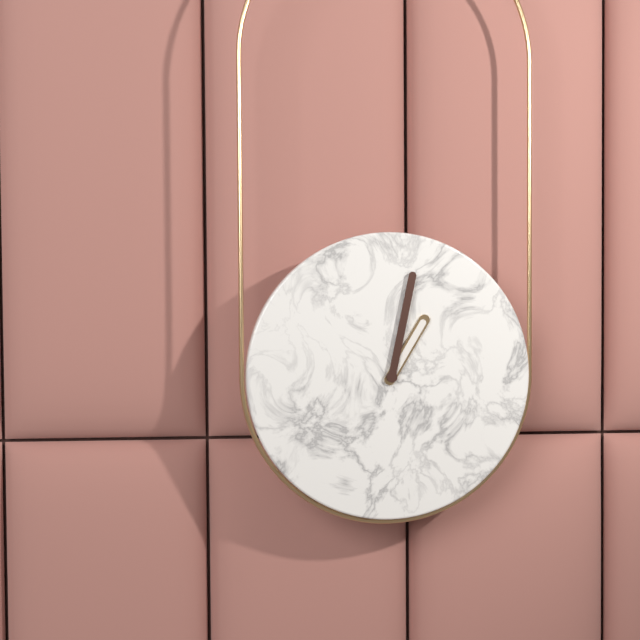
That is h=1 m=2
